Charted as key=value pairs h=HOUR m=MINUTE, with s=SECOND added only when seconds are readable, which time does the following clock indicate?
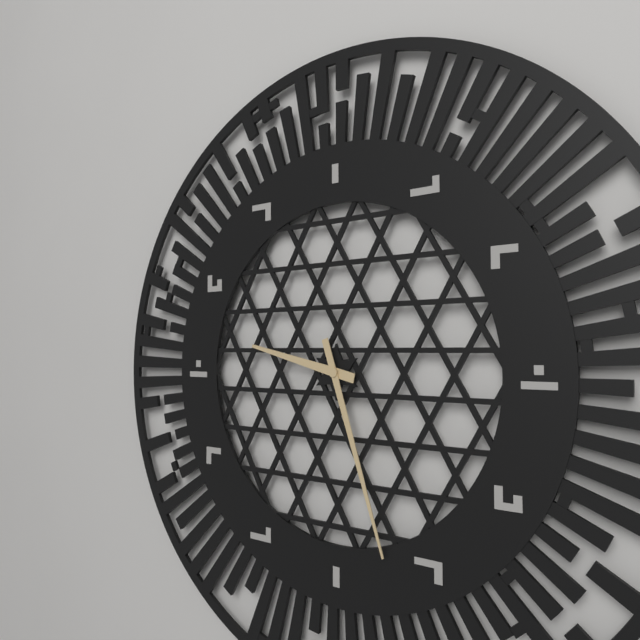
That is h=9 m=27
